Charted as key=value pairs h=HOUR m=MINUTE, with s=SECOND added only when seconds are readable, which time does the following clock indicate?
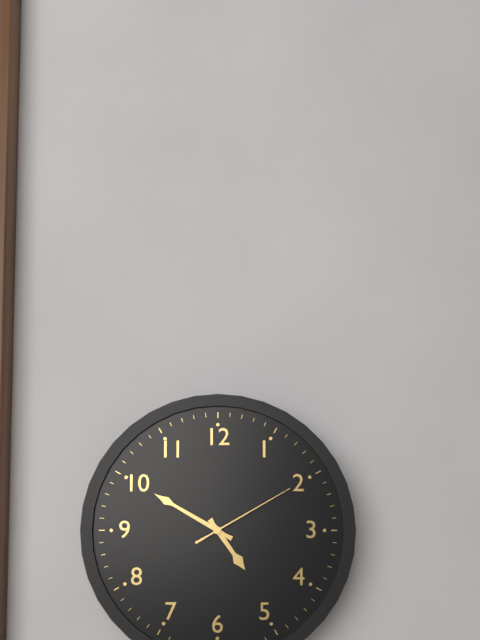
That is h=4 m=50 s=10
